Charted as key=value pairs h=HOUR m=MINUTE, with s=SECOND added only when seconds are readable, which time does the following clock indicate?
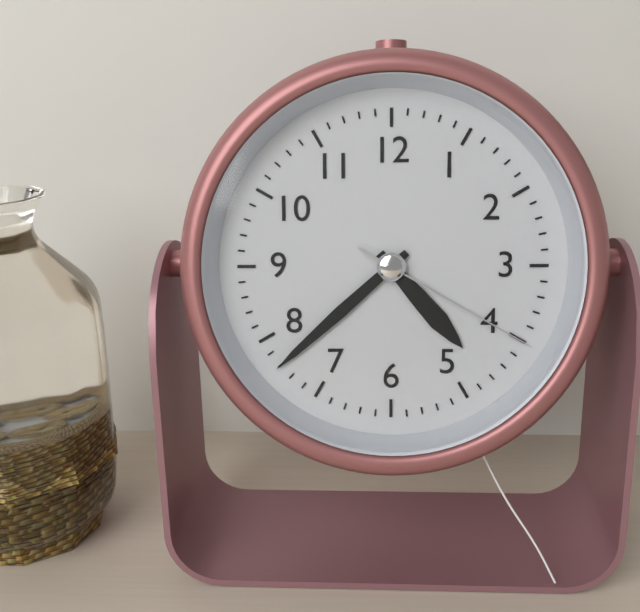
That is h=4 m=38 s=20
